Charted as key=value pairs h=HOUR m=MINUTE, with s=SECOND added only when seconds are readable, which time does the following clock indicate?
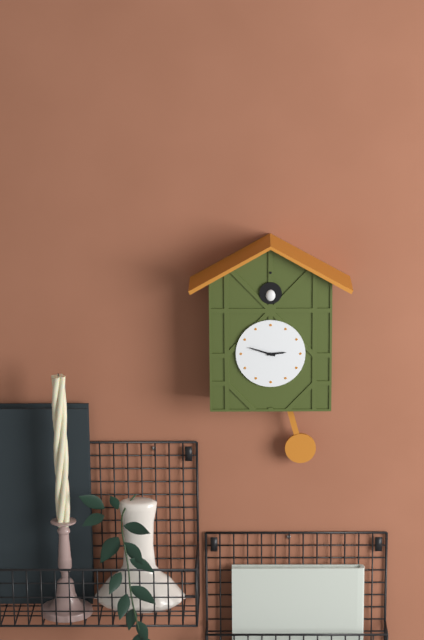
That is h=2 m=48
